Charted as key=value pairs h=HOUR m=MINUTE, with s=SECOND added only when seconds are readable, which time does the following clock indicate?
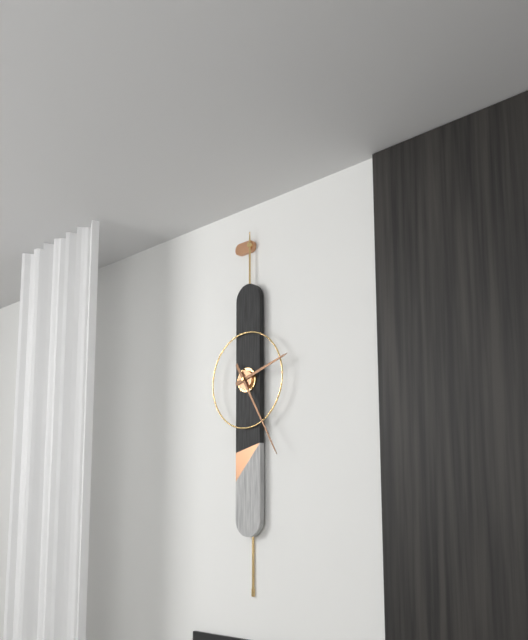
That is h=2 m=25
